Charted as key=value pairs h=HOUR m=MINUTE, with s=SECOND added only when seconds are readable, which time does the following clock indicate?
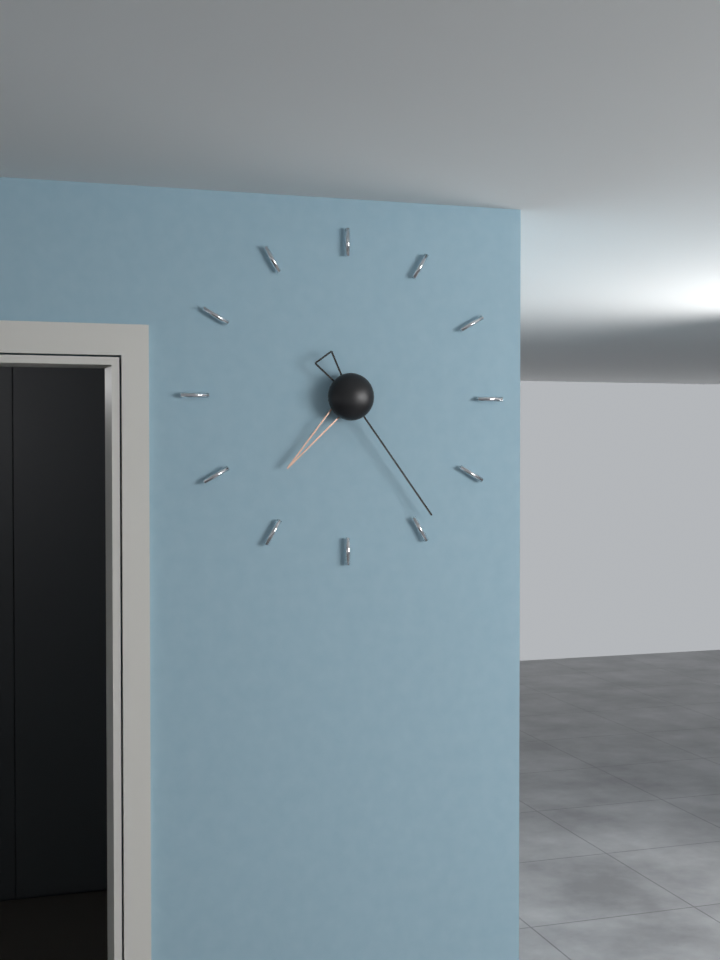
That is h=7 m=24
